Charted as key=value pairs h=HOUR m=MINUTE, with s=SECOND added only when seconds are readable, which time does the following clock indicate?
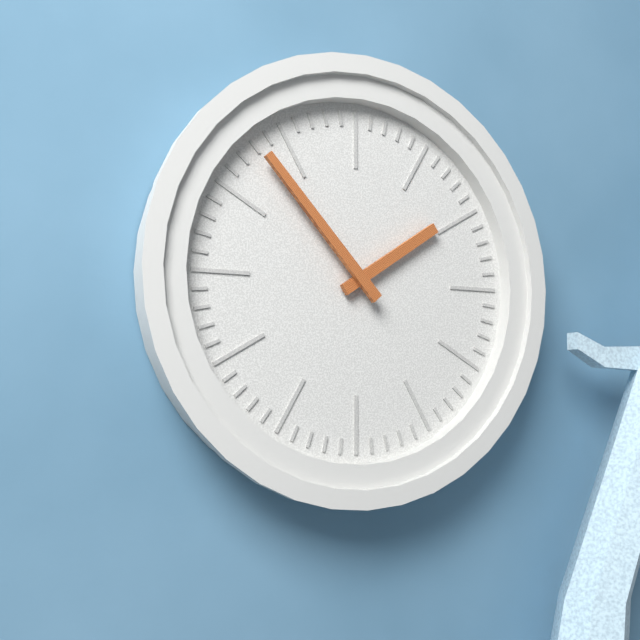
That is h=1 m=53
